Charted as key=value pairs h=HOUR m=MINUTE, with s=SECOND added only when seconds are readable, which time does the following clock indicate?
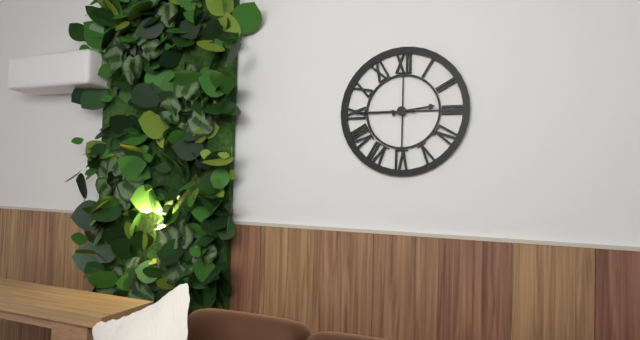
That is h=2 m=45
